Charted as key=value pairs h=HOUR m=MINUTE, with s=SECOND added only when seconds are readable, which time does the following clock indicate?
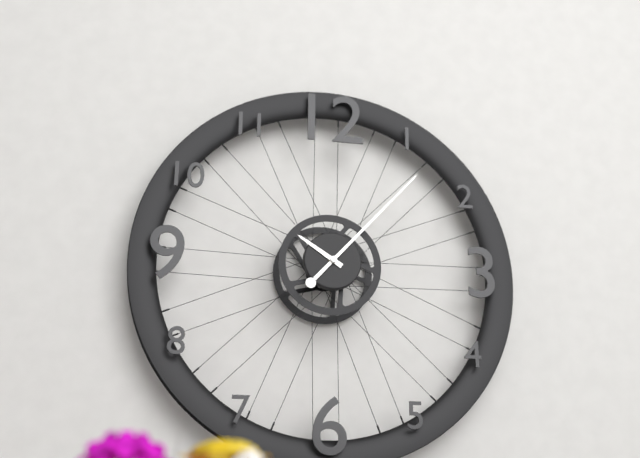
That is h=10 m=7
